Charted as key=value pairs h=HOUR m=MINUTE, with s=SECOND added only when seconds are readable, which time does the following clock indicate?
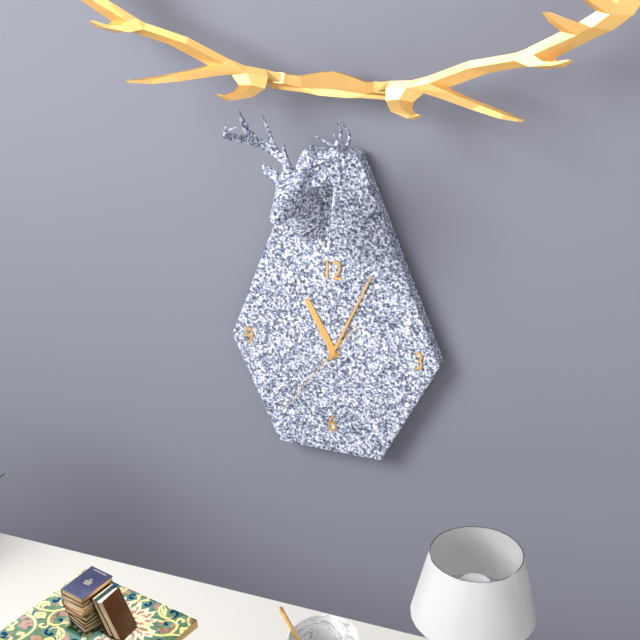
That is h=11 m=4 s=36
